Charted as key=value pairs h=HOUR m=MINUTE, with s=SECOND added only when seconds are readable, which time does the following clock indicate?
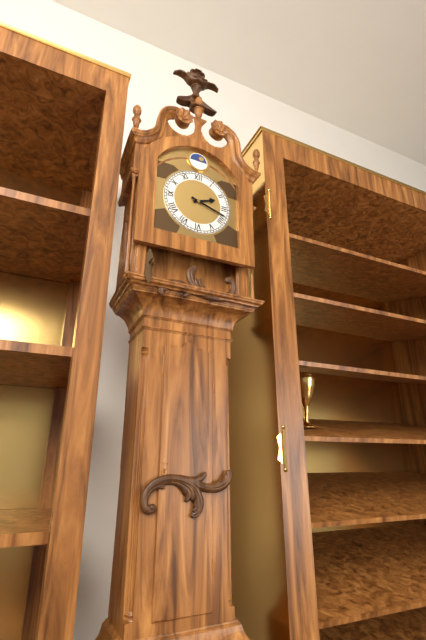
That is h=2 m=18
